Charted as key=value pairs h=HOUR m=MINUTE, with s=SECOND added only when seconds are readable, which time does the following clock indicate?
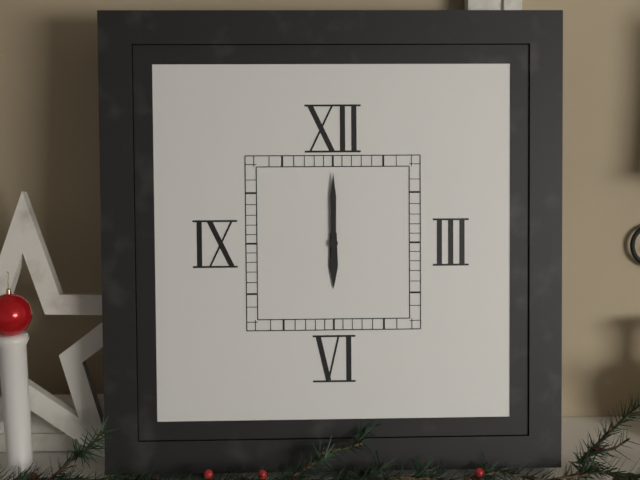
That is h=6 m=0
